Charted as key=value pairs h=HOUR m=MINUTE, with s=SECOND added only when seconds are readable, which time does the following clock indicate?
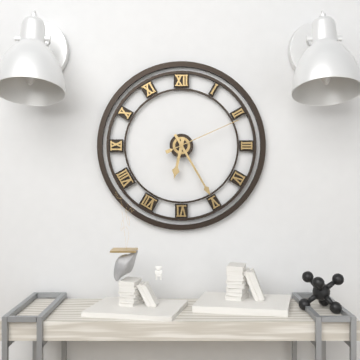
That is h=6 m=25 s=11
